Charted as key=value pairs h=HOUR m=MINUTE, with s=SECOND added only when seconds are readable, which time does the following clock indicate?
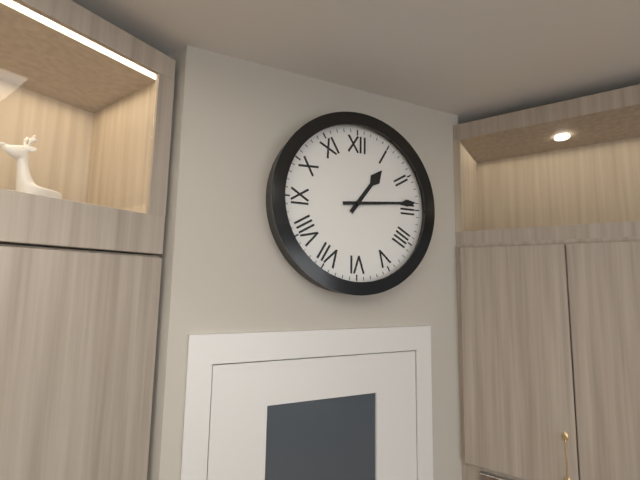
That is h=1 m=14
